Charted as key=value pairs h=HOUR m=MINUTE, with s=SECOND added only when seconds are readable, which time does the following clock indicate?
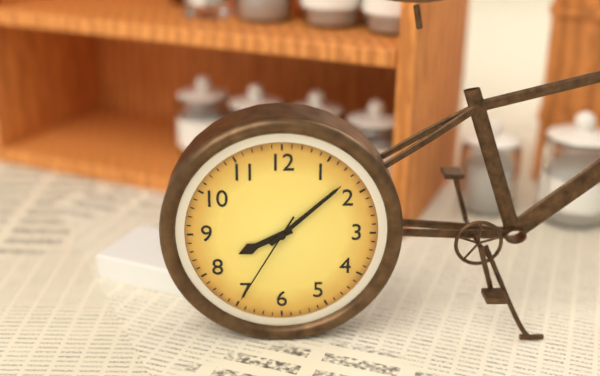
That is h=8 m=8 s=35
